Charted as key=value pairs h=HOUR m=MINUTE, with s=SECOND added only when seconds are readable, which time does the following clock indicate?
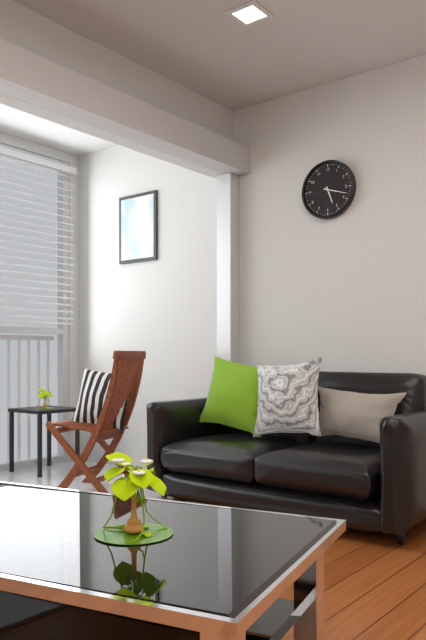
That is h=5 m=18
